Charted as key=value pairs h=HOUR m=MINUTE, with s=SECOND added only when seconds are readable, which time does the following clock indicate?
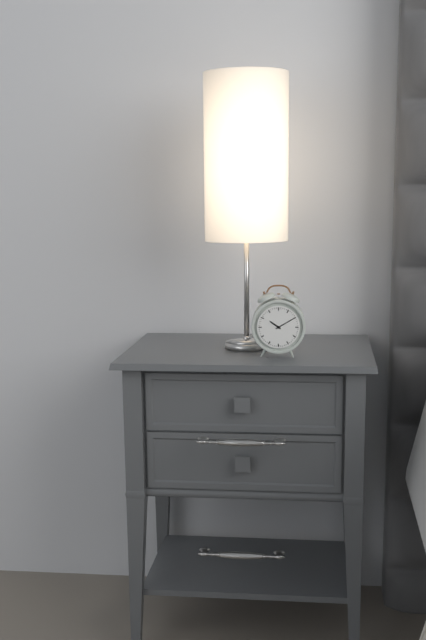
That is h=10 m=10
